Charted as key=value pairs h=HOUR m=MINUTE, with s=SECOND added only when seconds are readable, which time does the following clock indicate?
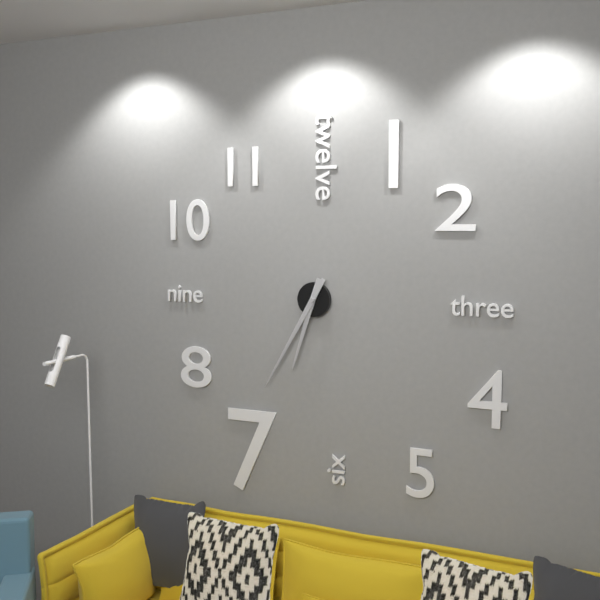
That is h=6 m=35
